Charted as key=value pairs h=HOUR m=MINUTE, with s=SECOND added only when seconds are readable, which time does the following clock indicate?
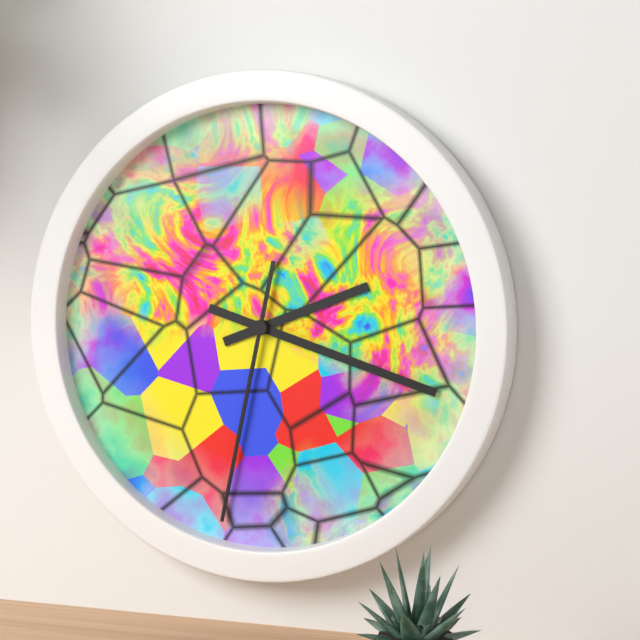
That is h=2 m=18 s=32
